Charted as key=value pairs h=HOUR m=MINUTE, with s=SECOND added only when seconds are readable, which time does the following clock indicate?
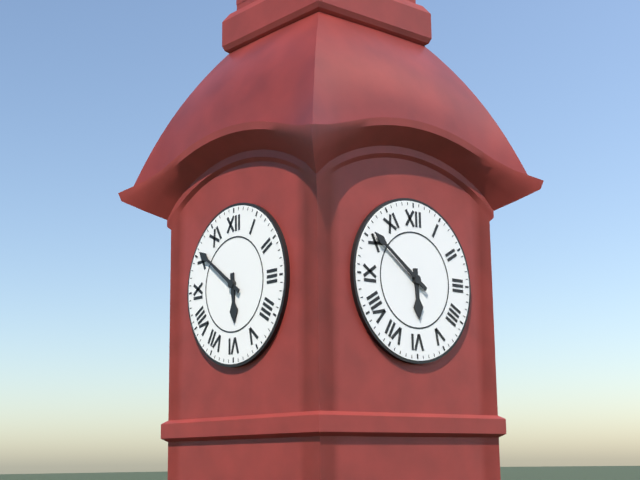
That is h=5 m=51
